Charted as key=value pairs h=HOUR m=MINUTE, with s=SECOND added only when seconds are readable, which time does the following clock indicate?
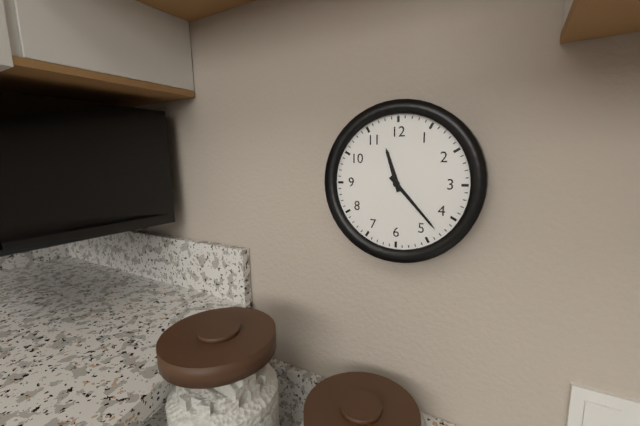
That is h=11 m=23
